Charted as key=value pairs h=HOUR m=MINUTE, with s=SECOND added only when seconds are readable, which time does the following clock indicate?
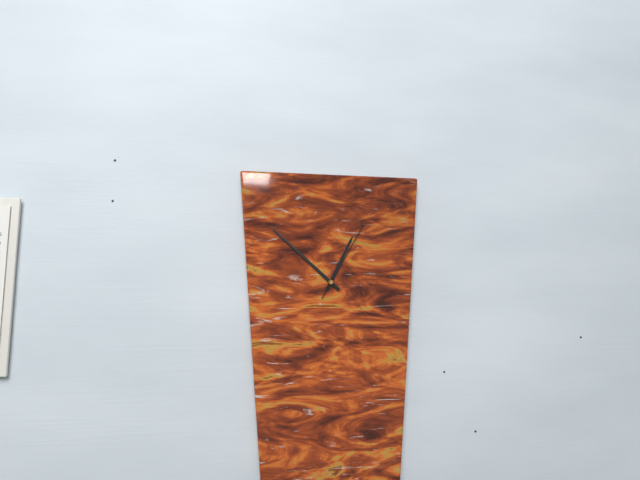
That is h=12 m=52 s=5
